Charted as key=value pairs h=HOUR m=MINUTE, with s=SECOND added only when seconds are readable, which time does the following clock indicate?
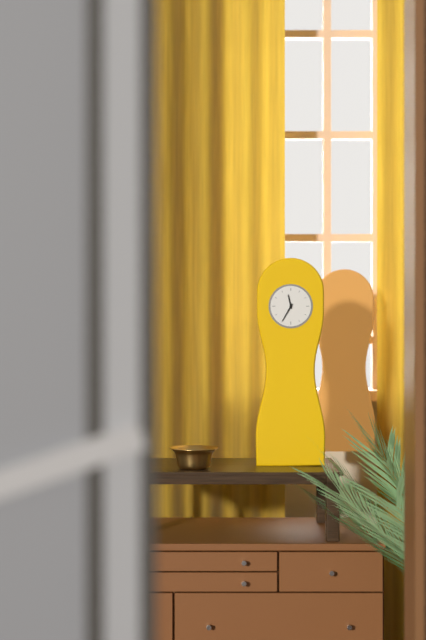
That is h=11 m=35
